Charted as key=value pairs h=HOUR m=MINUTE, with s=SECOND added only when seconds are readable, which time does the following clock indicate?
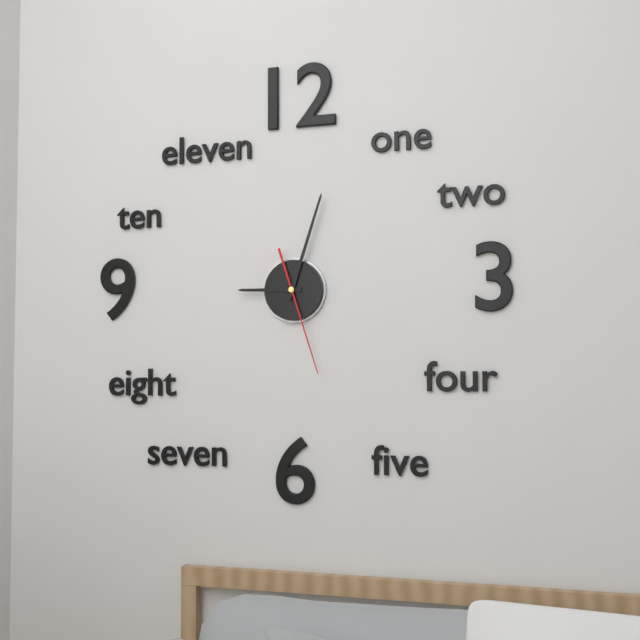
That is h=9 m=3 s=27
